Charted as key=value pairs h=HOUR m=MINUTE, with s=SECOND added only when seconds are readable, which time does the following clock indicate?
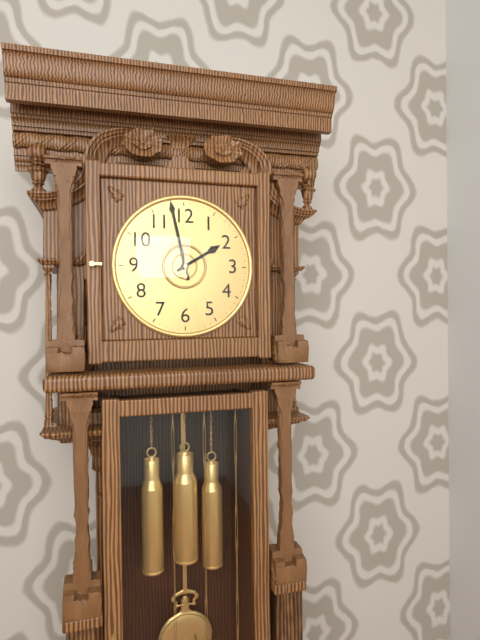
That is h=1 m=58 s=0
